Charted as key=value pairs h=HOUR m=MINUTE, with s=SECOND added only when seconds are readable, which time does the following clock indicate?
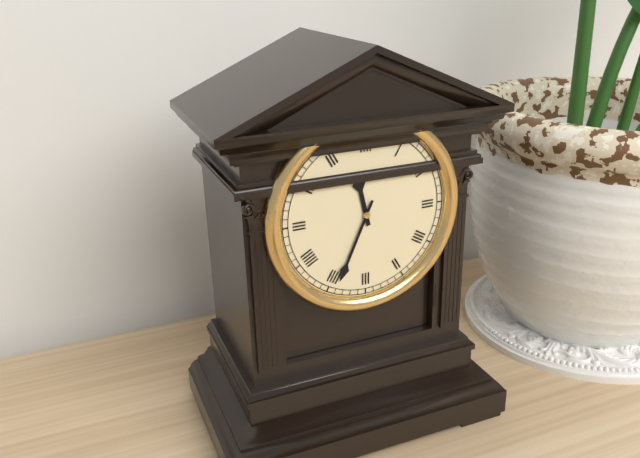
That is h=11 m=34
